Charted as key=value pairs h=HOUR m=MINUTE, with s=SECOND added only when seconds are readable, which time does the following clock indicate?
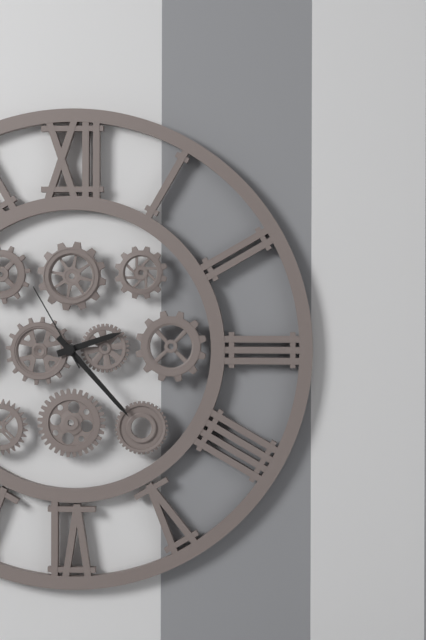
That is h=2 m=23 s=55
